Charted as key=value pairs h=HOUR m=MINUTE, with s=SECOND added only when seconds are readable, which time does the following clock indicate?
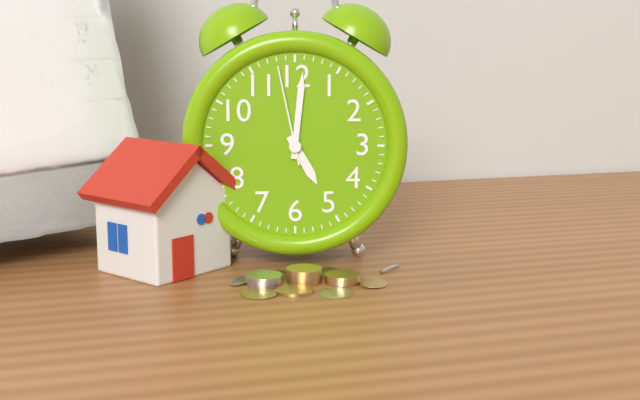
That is h=5 m=1 s=58
